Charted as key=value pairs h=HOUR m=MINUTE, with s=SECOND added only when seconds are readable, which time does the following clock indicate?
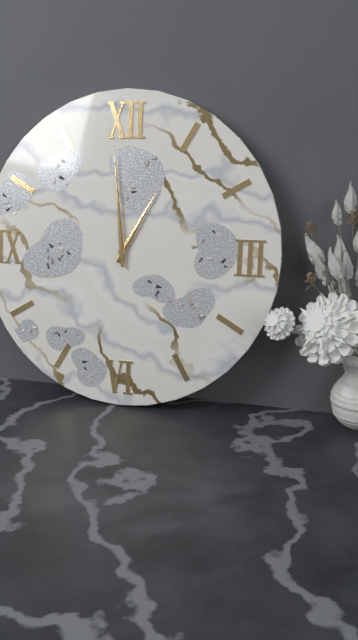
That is h=12 m=59
